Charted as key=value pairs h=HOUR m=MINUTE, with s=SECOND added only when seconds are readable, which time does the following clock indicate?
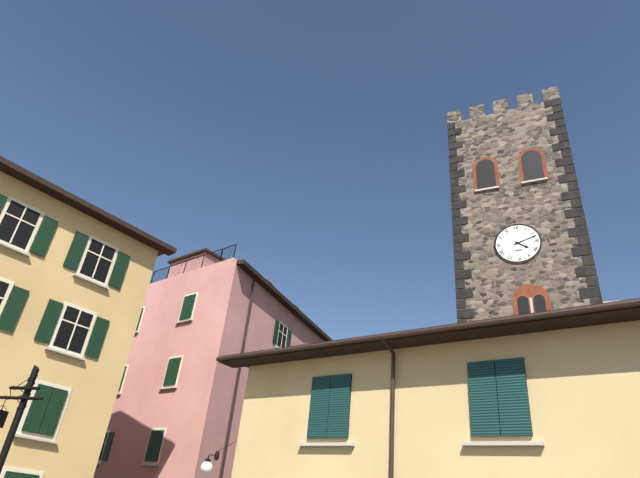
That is h=4 m=12
